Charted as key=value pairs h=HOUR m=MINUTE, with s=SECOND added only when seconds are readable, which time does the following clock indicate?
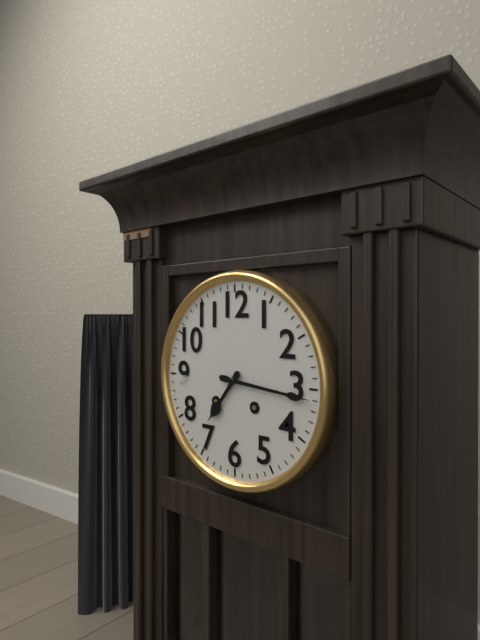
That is h=7 m=16
